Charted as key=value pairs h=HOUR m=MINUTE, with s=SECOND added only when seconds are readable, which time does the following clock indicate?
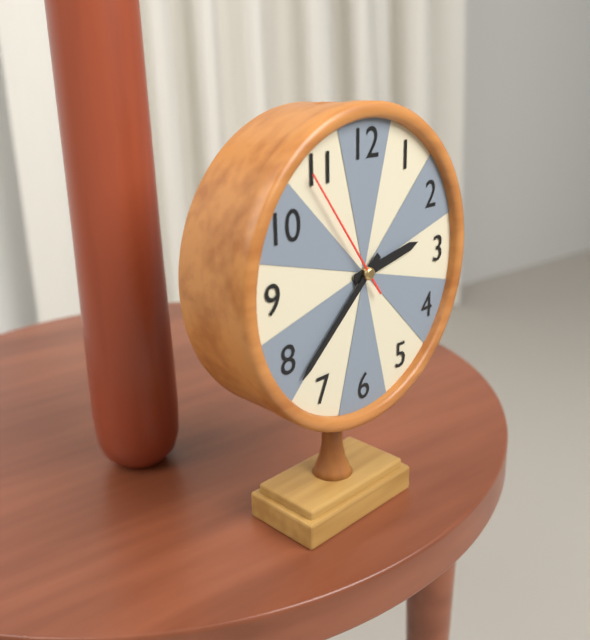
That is h=2 m=38 s=54
